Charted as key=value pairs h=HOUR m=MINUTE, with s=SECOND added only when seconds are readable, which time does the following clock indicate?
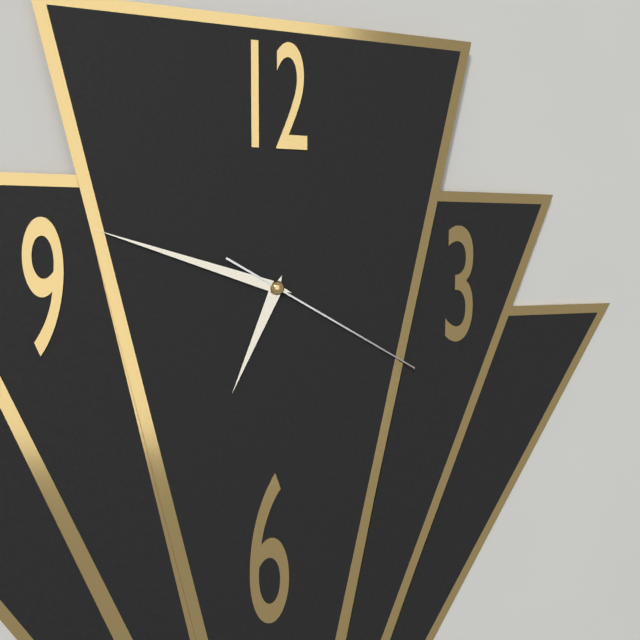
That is h=6 m=48 s=20
